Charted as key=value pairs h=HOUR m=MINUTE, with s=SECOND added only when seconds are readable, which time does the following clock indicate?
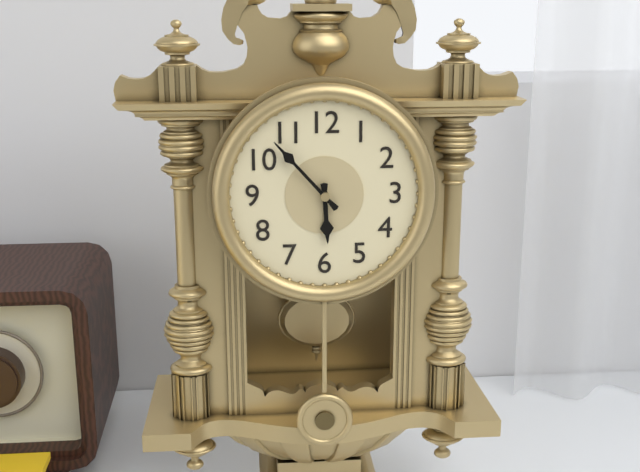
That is h=5 m=53
